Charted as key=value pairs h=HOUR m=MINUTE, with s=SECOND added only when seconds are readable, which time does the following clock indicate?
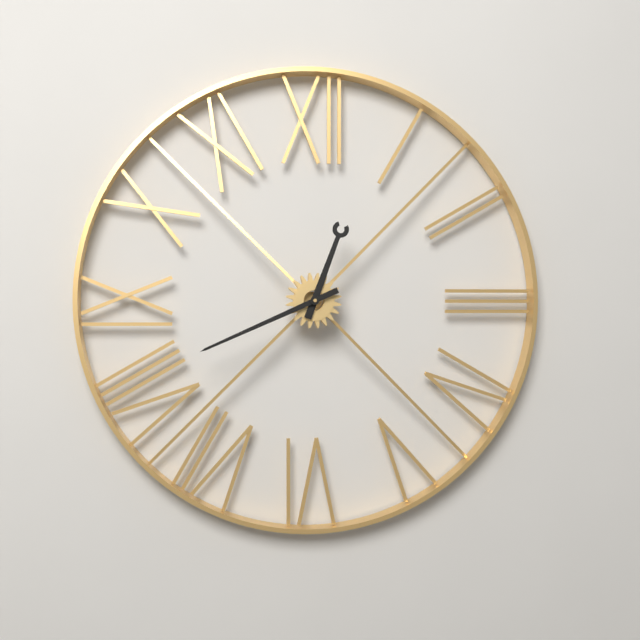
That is h=12 m=41
